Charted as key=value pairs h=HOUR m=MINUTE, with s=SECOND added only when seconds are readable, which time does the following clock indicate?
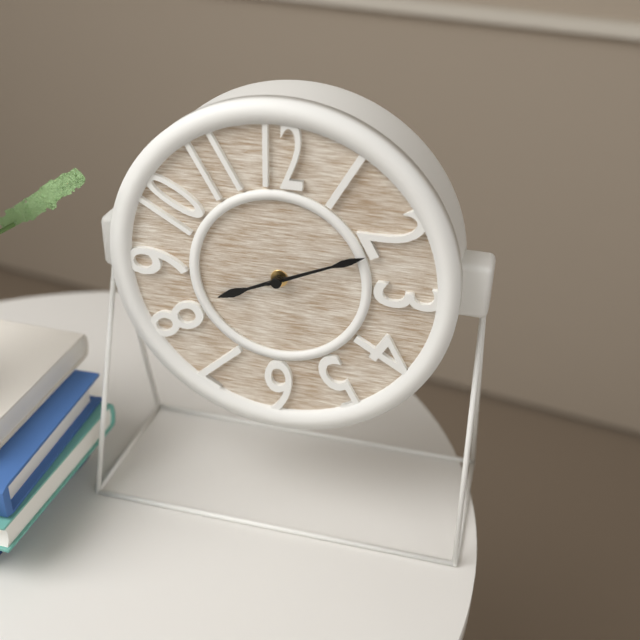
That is h=8 m=11
